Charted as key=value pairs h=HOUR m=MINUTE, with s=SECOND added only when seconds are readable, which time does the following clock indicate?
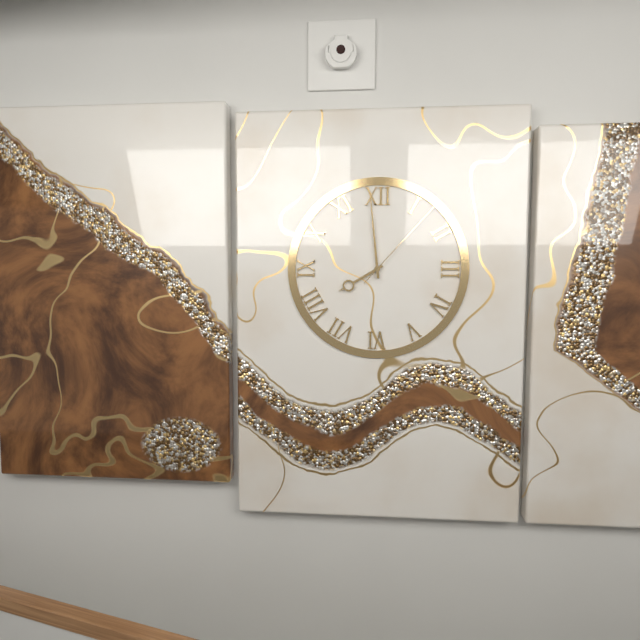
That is h=7 m=59 s=7
